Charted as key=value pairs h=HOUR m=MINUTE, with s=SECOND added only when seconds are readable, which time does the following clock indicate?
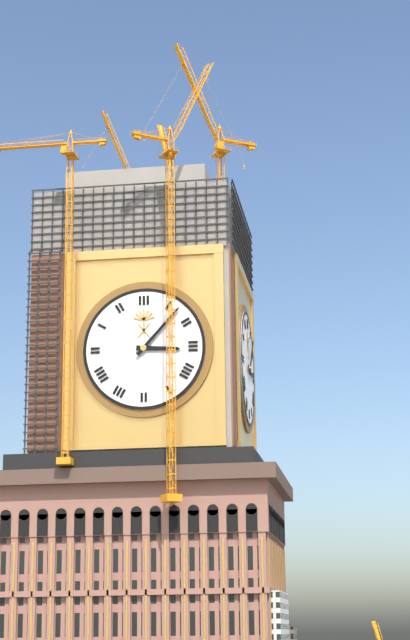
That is h=3 m=7
